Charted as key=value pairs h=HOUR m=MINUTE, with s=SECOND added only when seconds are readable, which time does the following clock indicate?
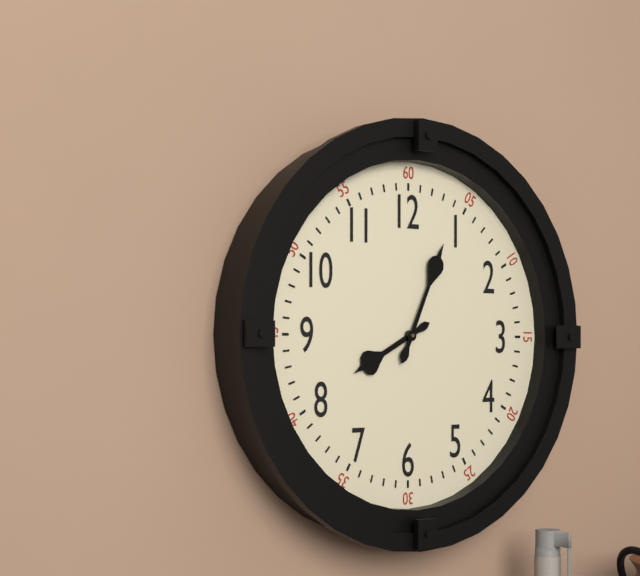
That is h=8 m=4
